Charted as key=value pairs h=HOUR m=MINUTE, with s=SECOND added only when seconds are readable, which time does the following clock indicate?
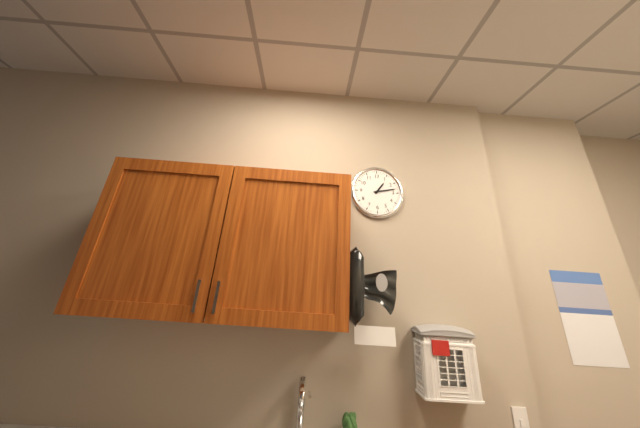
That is h=1 m=13
